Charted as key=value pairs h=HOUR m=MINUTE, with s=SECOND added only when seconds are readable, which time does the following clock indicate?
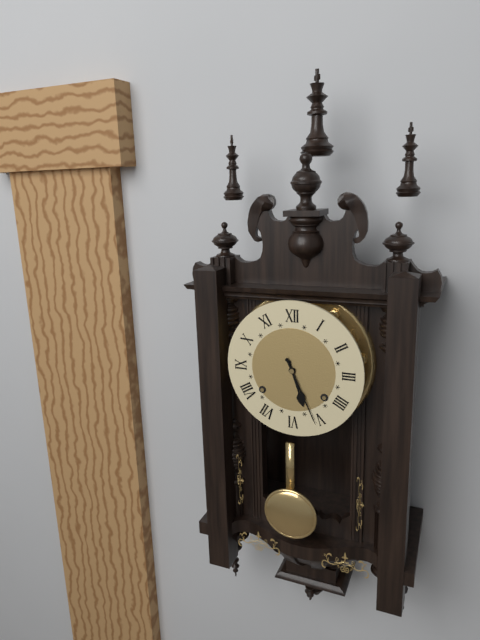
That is h=5 m=26
